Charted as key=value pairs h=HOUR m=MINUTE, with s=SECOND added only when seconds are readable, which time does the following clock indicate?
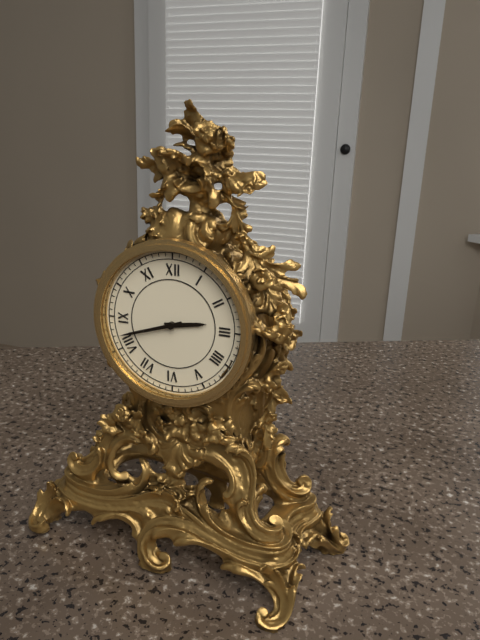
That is h=2 m=42
